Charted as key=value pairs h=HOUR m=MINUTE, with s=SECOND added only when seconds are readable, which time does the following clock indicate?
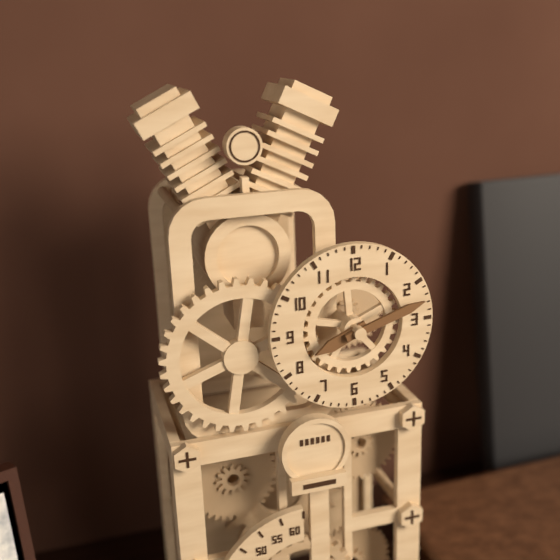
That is h=8 m=12
